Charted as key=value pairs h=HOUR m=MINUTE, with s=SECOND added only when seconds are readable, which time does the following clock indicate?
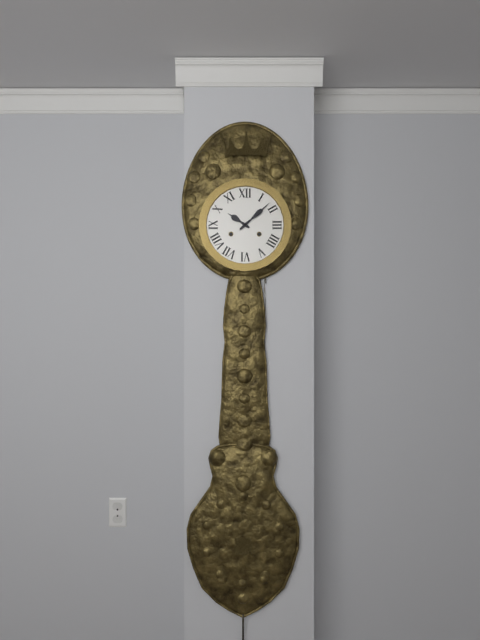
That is h=10 m=8
